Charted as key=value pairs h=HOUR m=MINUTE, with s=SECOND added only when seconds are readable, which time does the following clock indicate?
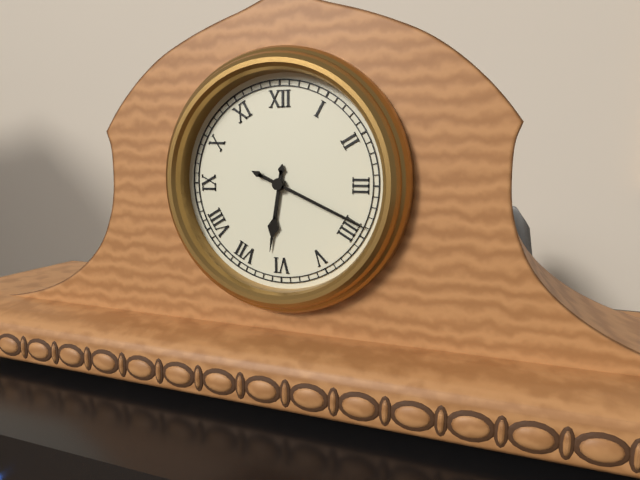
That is h=6 m=19
